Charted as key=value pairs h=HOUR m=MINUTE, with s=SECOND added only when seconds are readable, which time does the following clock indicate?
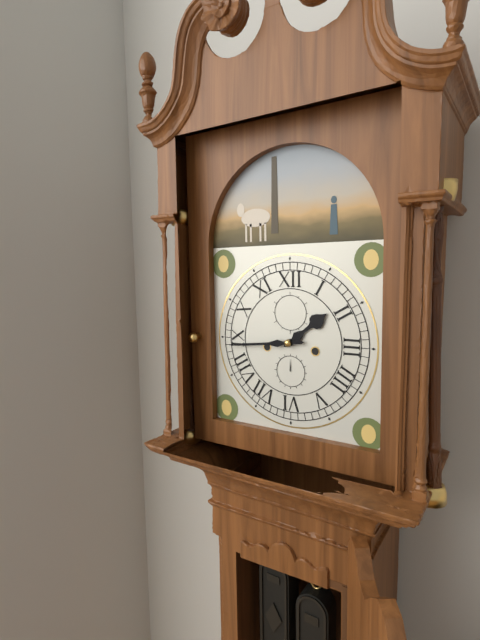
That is h=1 m=44
